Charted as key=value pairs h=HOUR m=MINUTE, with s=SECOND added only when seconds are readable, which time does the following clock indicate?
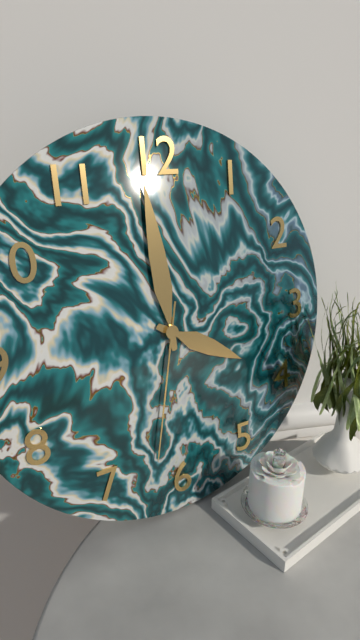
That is h=3 m=59 s=32
